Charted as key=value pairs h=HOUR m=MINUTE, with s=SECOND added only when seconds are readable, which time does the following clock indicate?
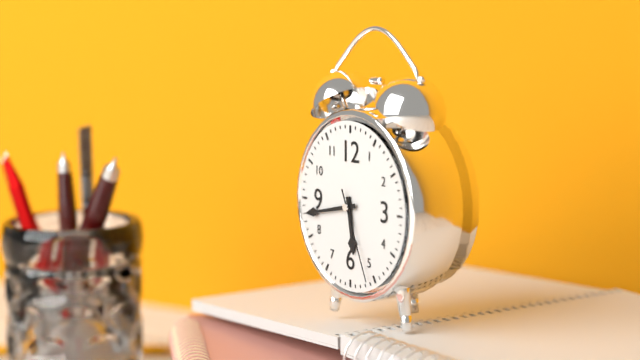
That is h=5 m=43 s=26
